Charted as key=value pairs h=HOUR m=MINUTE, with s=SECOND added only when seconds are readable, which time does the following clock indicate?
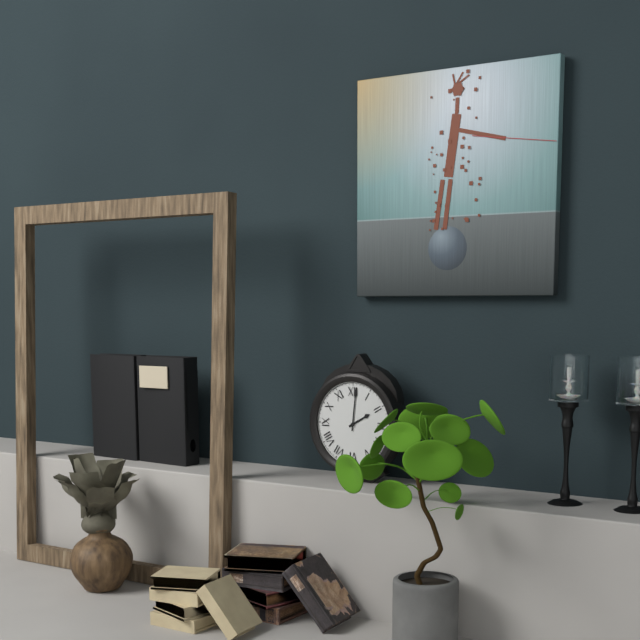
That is h=2 m=1
